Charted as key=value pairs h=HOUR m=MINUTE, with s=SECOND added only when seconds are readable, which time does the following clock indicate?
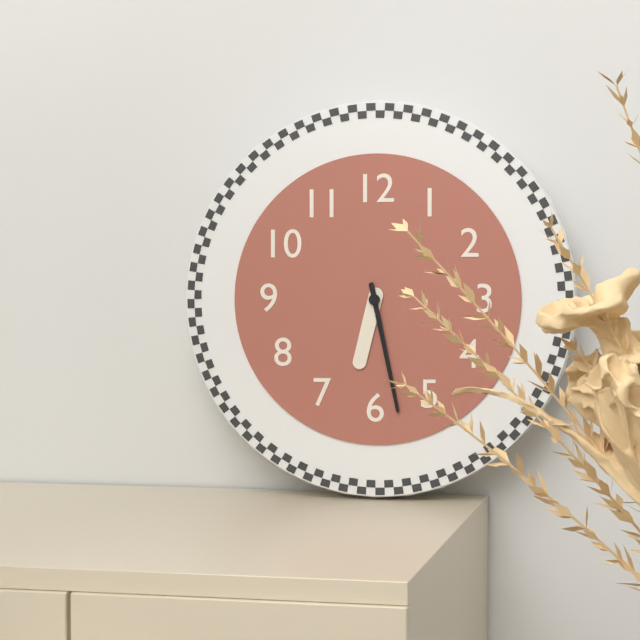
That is h=6 m=28
